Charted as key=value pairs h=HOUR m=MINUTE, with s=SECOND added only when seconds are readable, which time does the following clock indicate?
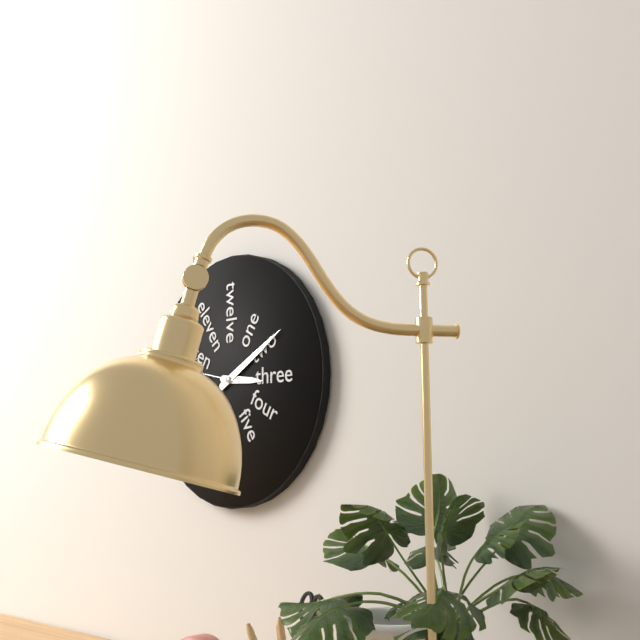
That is h=3 m=10
